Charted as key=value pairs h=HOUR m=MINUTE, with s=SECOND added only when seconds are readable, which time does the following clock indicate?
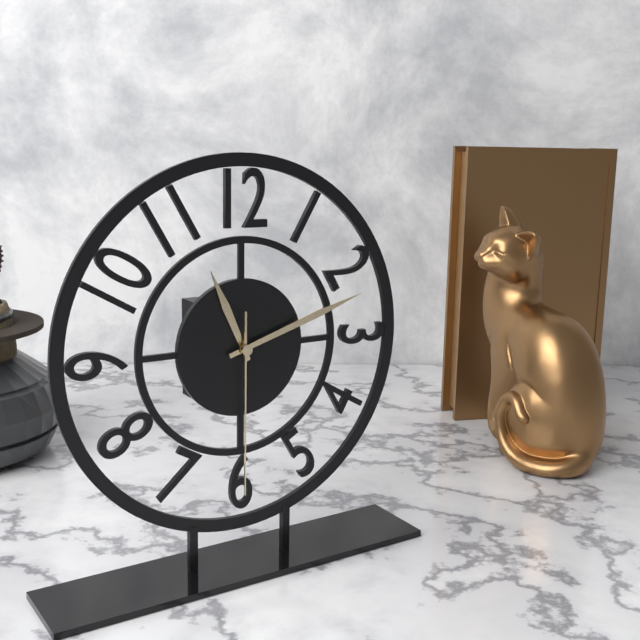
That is h=11 m=12 s=30
